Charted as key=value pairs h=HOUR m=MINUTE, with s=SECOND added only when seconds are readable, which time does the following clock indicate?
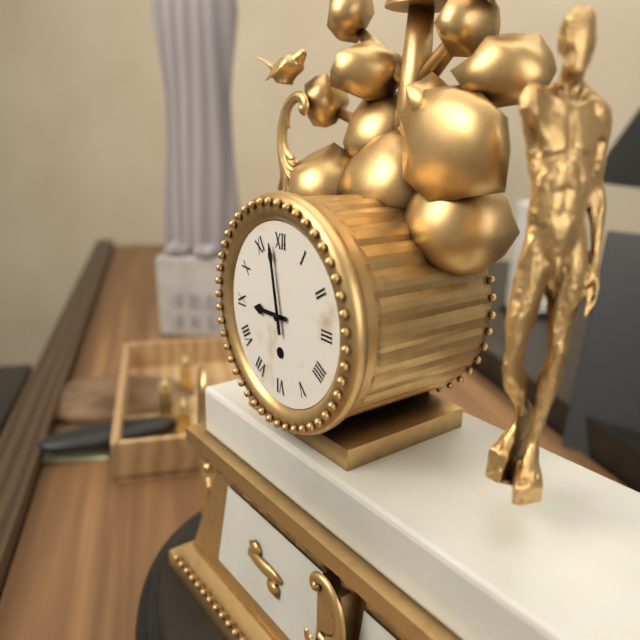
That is h=8 m=58
